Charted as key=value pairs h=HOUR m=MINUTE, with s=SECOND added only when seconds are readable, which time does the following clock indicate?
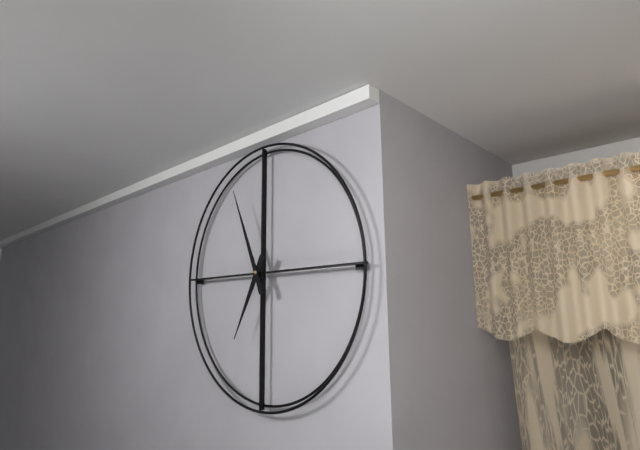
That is h=6 m=56
